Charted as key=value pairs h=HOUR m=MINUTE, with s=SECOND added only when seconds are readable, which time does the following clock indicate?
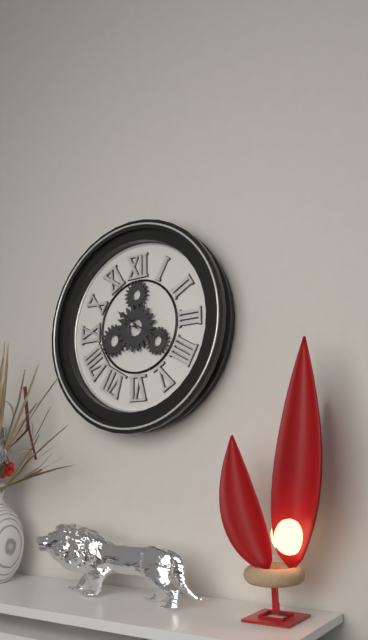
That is h=10 m=19
